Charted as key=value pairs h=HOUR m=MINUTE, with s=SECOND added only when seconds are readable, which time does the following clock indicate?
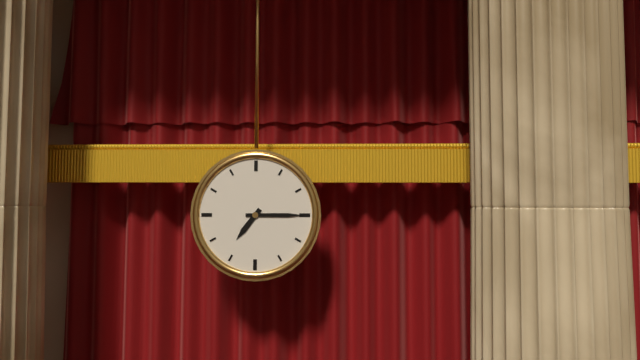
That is h=7 m=15
